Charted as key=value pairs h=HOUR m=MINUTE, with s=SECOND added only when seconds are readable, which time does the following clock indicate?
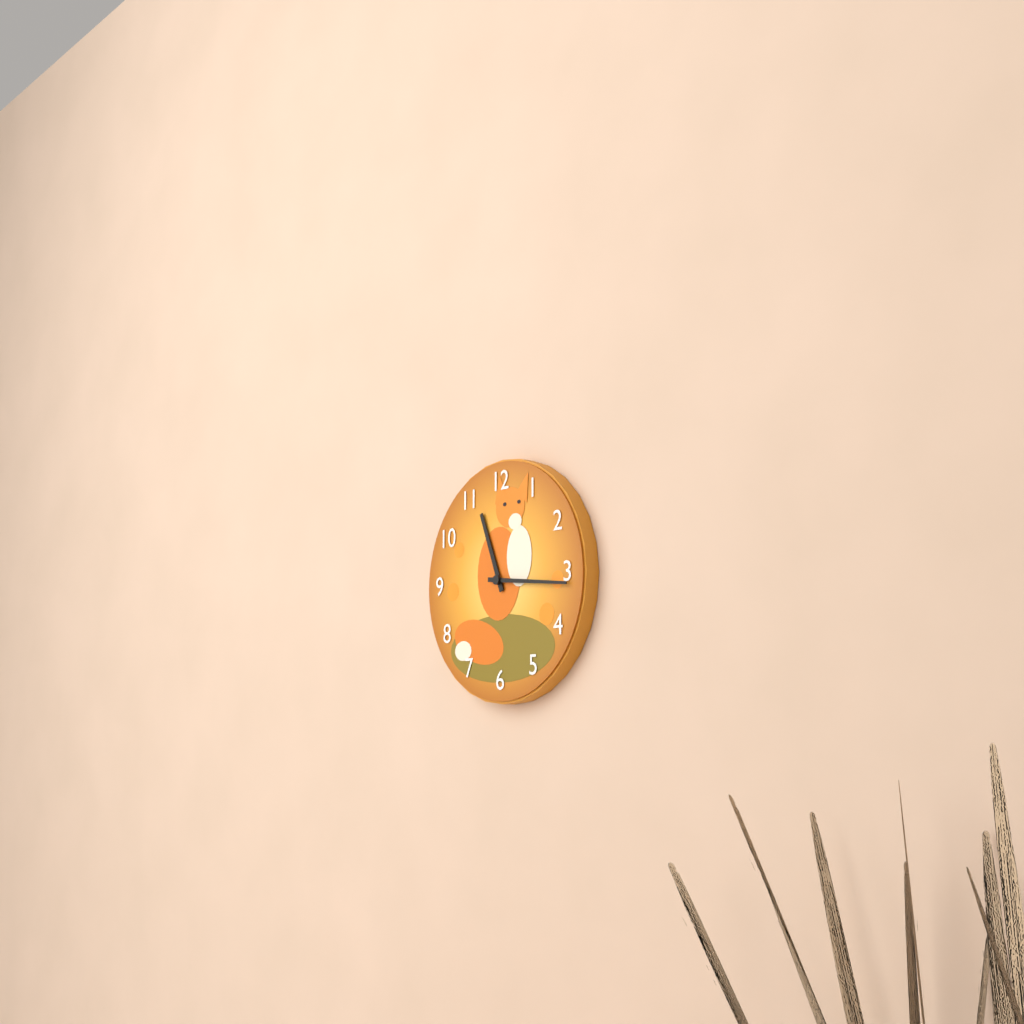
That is h=11 m=16
